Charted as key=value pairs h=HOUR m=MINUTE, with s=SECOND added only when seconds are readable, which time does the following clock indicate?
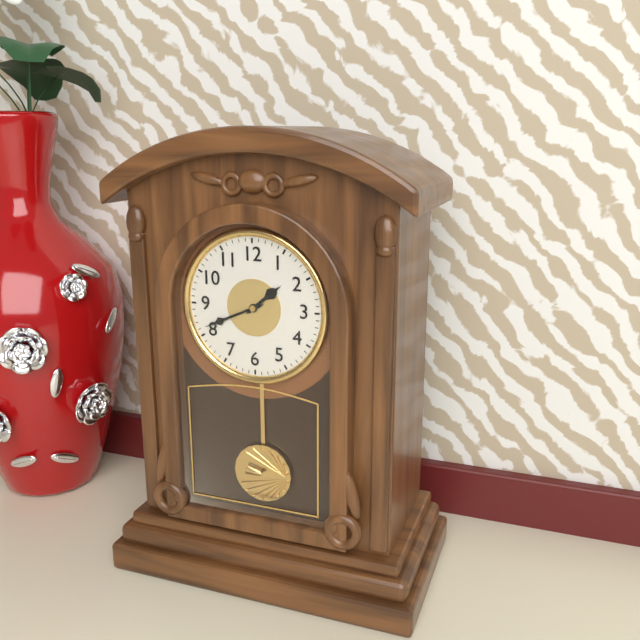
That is h=1 m=41
